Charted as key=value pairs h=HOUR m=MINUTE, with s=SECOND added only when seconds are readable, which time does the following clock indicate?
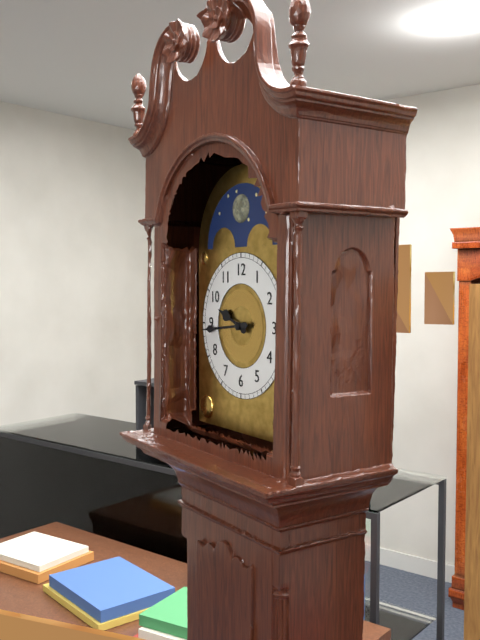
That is h=9 m=44
